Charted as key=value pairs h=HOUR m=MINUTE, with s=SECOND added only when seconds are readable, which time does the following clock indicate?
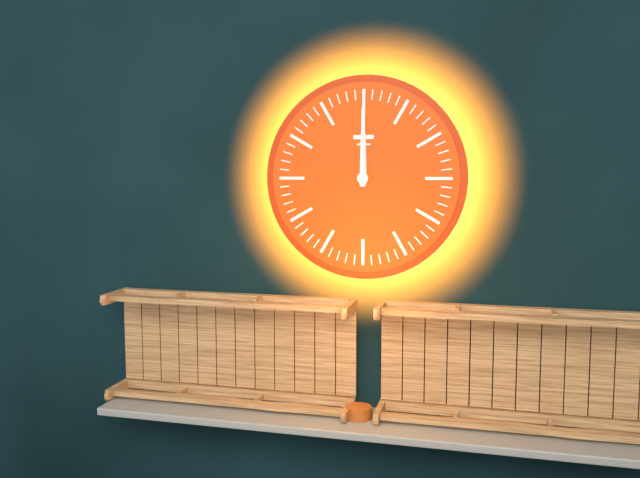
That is h=12 m=0
